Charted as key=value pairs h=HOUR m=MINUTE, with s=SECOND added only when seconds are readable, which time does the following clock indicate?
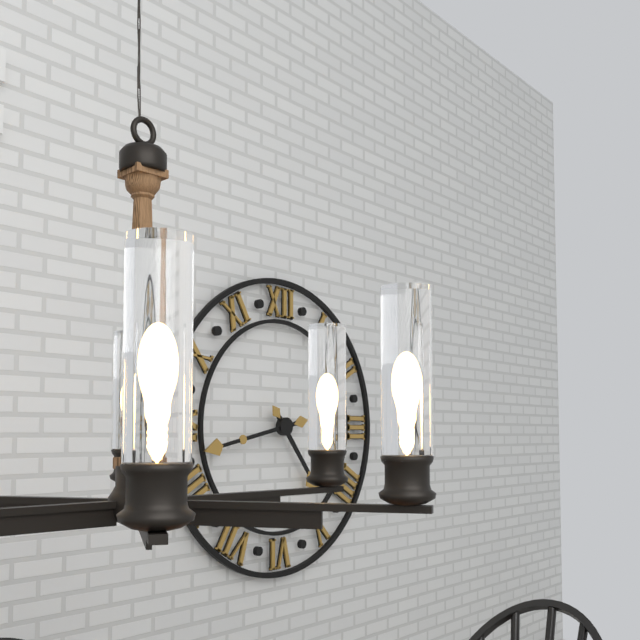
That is h=4 m=43
